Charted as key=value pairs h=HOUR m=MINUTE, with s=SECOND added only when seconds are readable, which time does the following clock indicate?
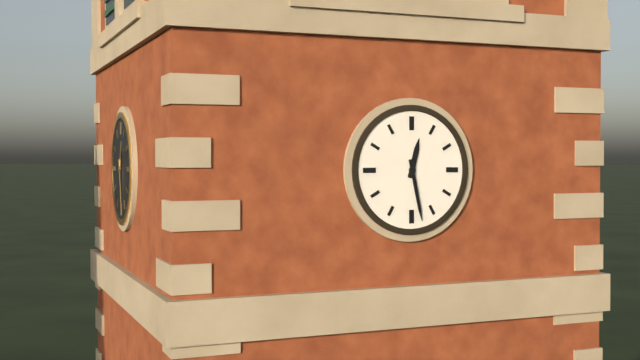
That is h=12 m=28
